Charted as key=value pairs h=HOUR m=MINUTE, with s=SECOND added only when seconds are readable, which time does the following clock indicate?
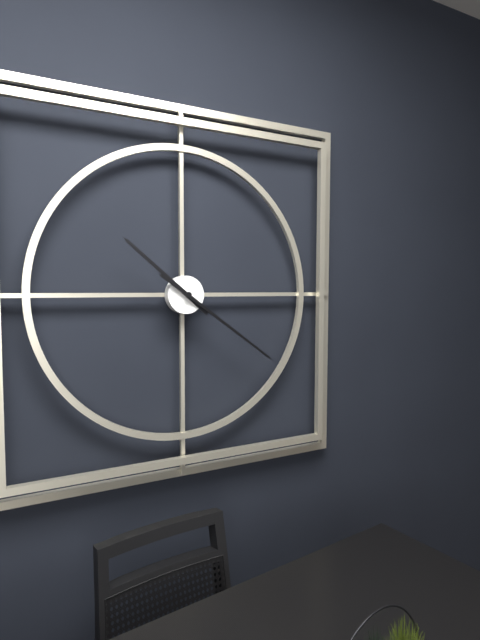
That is h=10 m=21
